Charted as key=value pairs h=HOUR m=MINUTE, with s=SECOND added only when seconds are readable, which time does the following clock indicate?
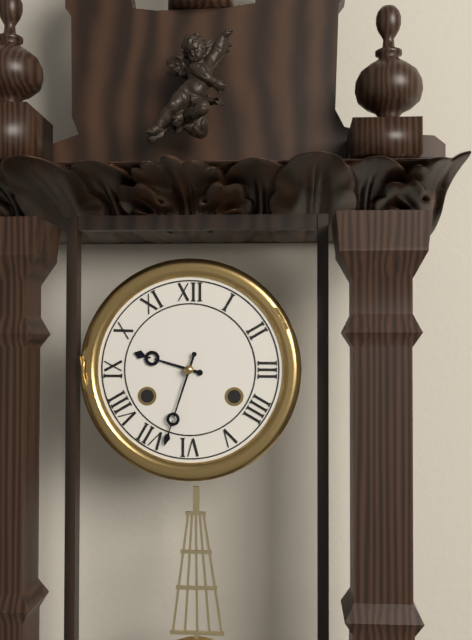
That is h=9 m=33
